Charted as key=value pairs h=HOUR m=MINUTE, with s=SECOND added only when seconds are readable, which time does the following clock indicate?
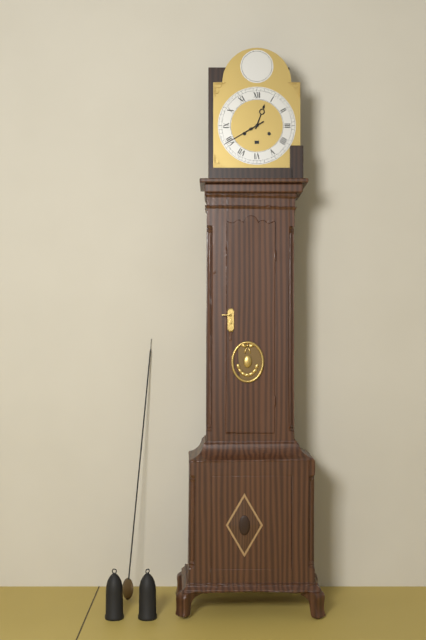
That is h=12 m=40
